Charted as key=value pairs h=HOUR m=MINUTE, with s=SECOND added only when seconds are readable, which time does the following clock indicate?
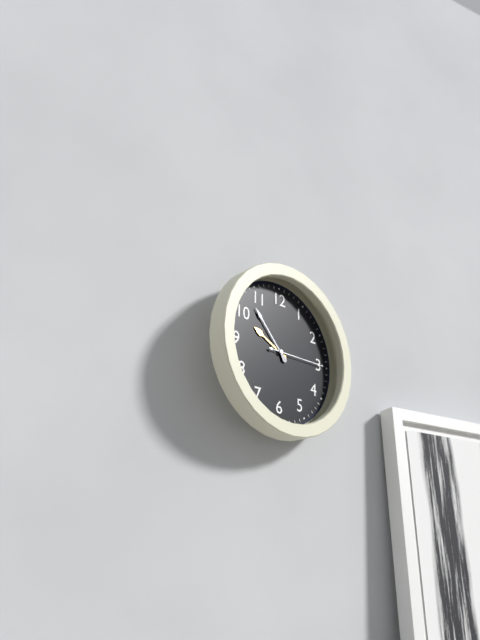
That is h=9 m=53 s=15
